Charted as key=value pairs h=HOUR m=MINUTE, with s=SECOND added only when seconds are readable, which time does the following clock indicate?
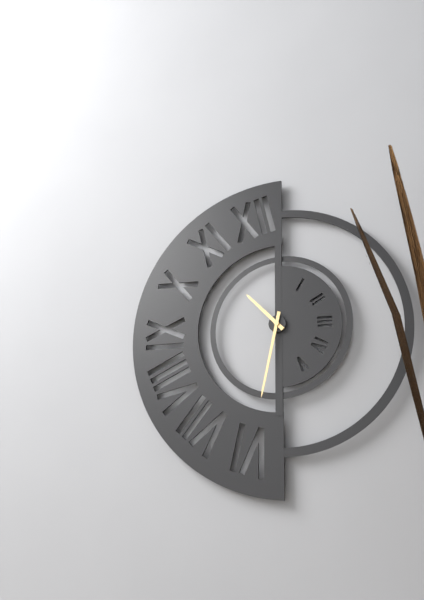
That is h=10 m=32
